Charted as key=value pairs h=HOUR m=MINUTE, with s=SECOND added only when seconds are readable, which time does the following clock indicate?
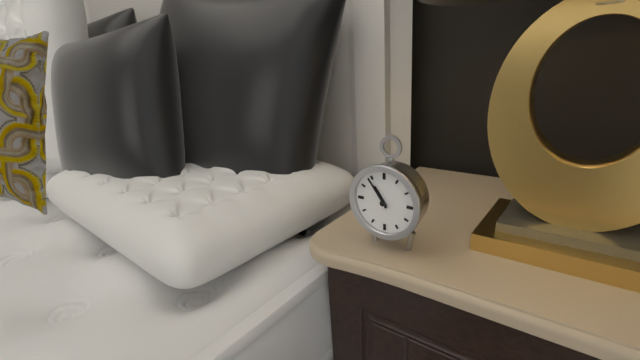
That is h=10 m=54
